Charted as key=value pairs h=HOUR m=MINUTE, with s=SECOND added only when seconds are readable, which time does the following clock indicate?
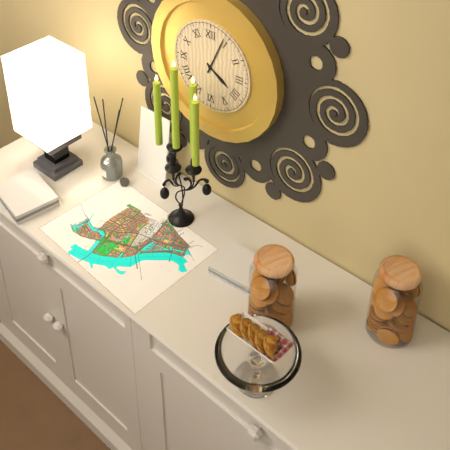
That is h=4 m=4
